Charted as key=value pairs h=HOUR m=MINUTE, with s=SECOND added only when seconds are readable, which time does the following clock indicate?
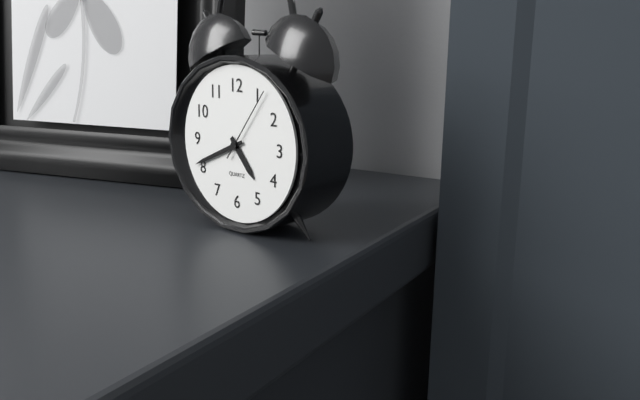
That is h=4 m=41 s=6
